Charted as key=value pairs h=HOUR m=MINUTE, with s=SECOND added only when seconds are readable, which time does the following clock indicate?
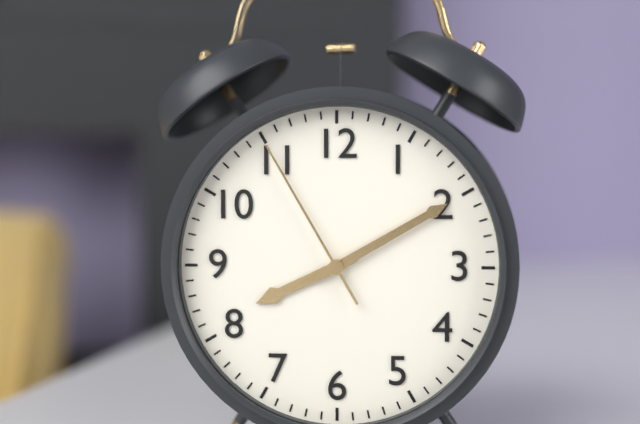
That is h=8 m=10 s=55
